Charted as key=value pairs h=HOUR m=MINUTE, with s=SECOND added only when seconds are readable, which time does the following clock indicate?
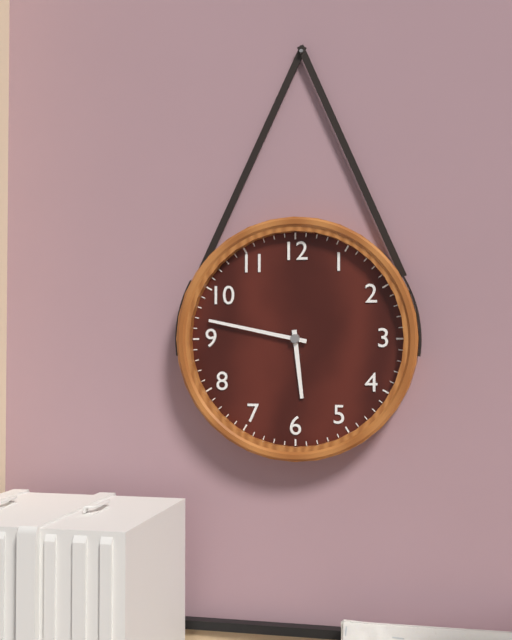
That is h=5 m=47
